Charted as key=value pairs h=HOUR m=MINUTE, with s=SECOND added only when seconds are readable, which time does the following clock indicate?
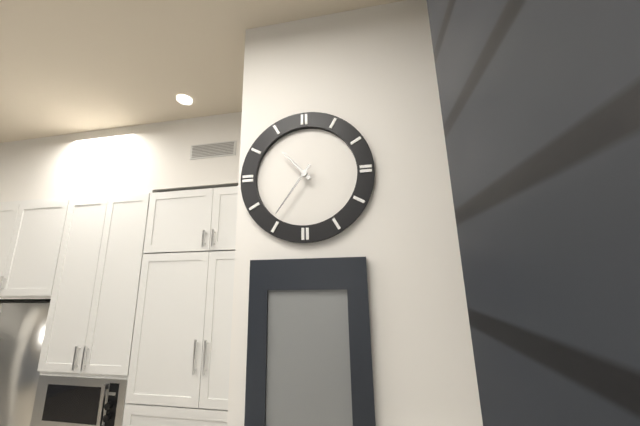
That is h=10 m=36
